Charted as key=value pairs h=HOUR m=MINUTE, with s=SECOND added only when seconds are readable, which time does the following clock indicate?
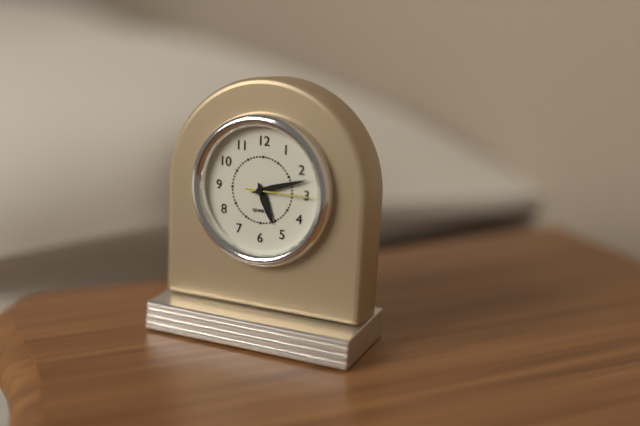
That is h=5 m=12 s=15
